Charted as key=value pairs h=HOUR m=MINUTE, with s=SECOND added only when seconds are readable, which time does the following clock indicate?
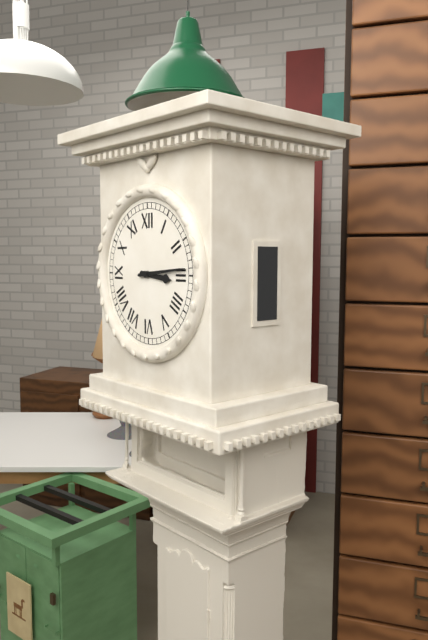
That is h=3 m=14
